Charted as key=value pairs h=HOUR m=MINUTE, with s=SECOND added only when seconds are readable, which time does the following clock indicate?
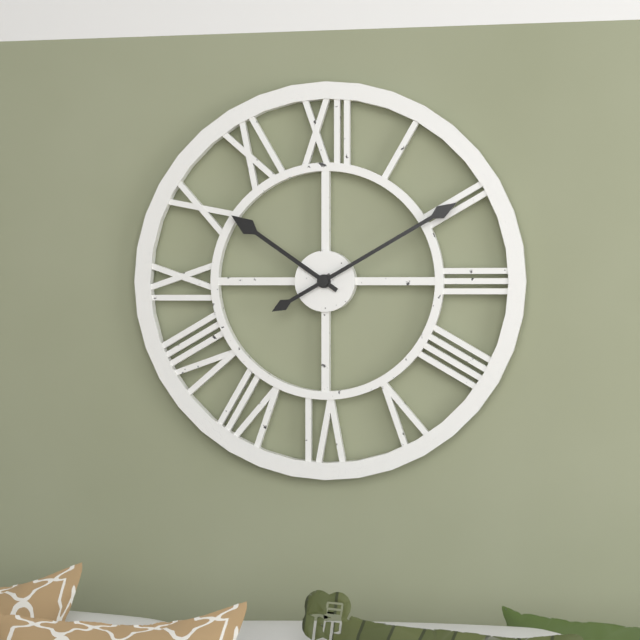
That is h=10 m=10
